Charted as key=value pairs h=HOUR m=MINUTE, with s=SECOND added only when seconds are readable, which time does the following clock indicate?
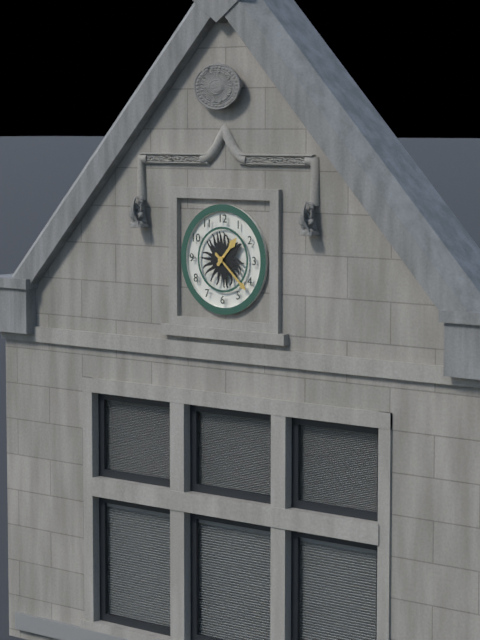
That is h=1 m=22
